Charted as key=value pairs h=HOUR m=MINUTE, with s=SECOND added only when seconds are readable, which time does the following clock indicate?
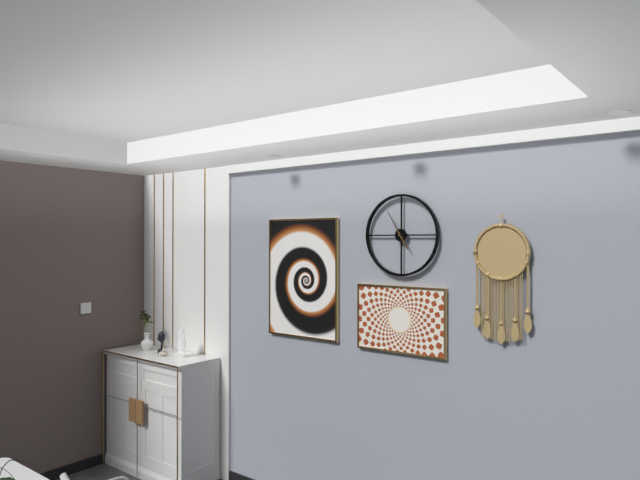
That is h=4 m=55
